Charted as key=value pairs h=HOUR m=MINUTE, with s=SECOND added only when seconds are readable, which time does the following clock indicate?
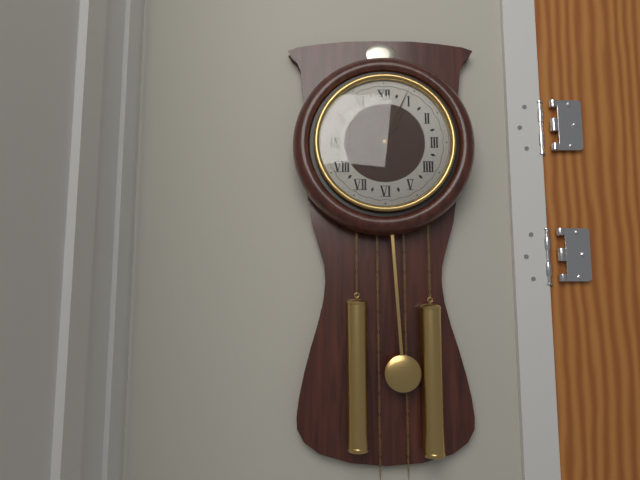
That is h=1 m=4
